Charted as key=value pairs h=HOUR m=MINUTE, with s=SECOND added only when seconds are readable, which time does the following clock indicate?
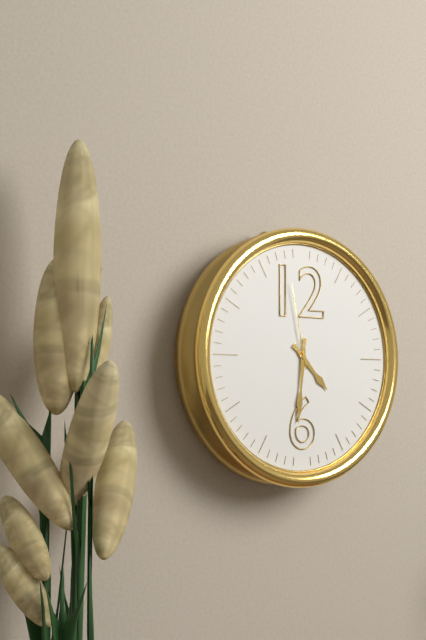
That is h=4 m=31 s=58
